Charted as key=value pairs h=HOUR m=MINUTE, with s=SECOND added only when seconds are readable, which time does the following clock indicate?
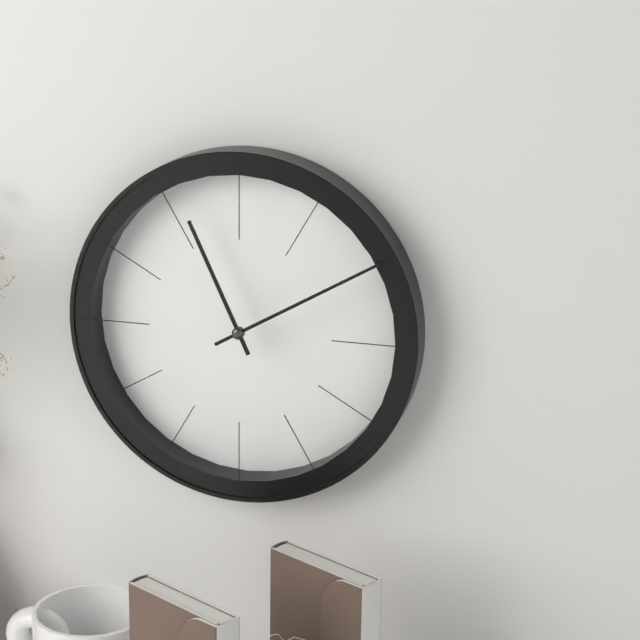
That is h=11 m=10
